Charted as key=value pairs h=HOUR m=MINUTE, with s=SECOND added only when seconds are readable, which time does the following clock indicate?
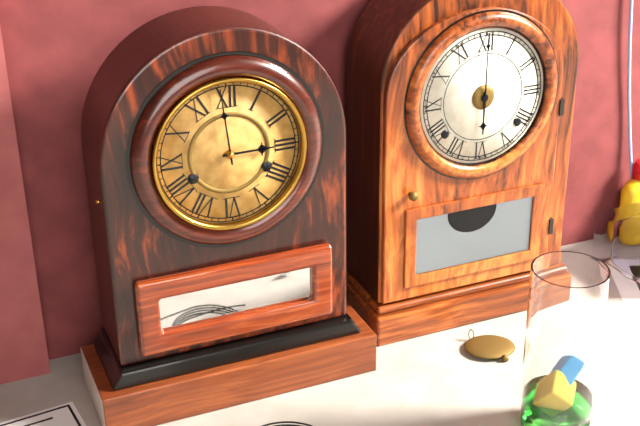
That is h=2 m=59
